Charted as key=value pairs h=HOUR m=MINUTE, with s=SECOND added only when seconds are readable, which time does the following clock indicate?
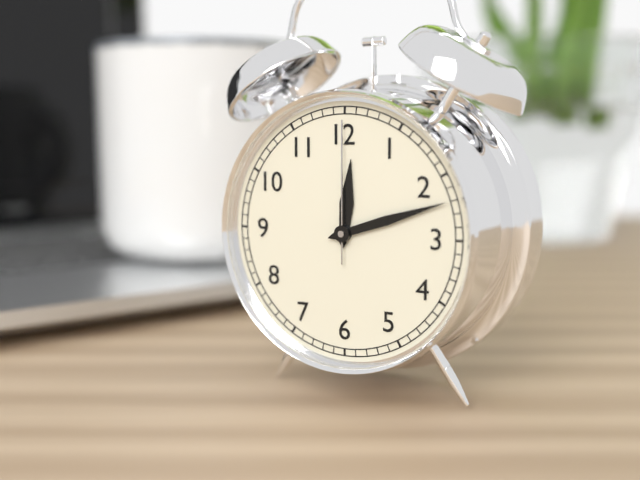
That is h=12 m=12 s=0
